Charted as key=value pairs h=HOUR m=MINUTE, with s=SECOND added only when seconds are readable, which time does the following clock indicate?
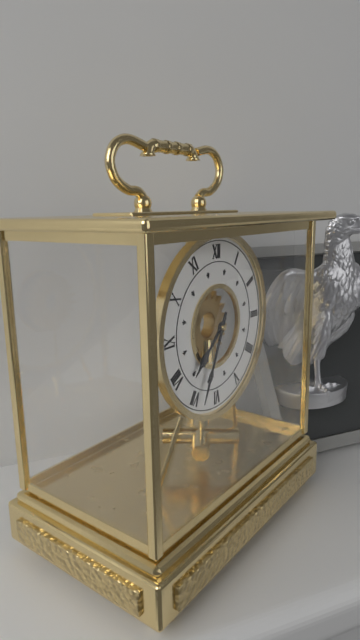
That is h=7 m=34
